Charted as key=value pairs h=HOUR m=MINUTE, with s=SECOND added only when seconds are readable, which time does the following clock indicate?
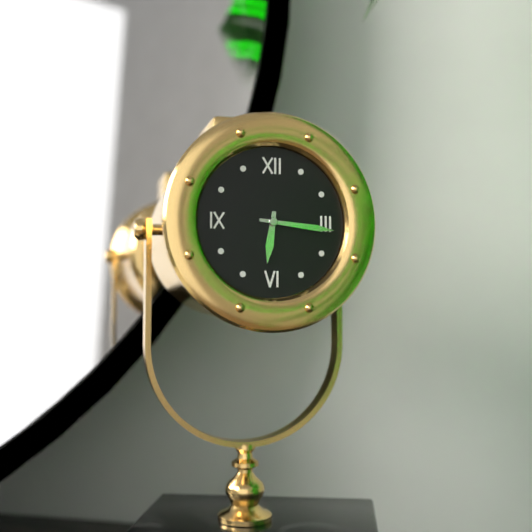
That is h=6 m=16
